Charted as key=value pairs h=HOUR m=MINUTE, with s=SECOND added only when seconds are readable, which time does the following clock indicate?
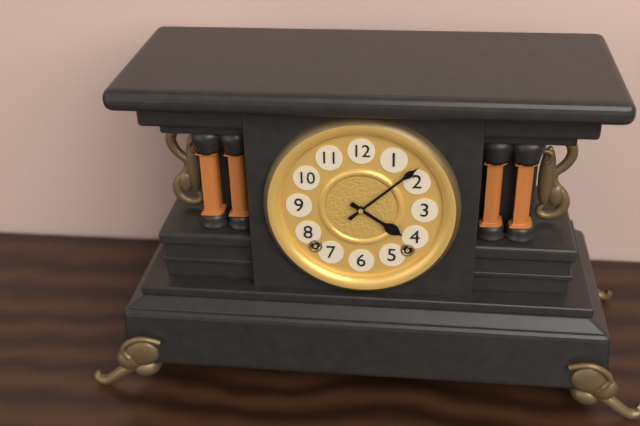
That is h=4 m=8
